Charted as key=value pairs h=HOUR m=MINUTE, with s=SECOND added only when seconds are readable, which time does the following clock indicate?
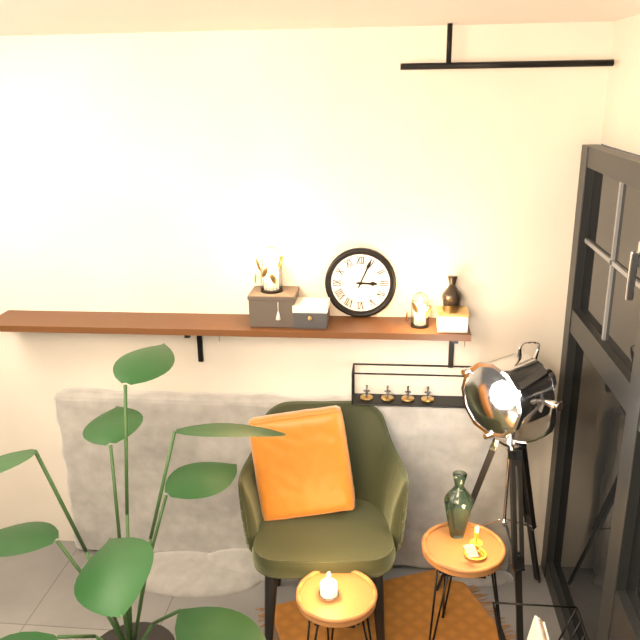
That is h=3 m=4
